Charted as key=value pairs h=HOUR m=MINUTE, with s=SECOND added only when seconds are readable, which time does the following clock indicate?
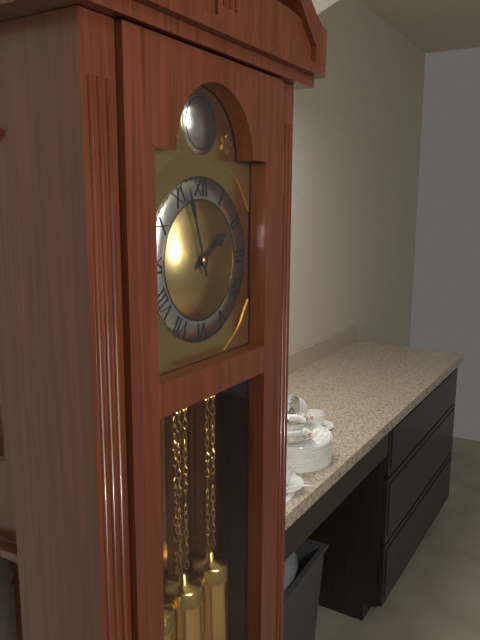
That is h=1 m=57
